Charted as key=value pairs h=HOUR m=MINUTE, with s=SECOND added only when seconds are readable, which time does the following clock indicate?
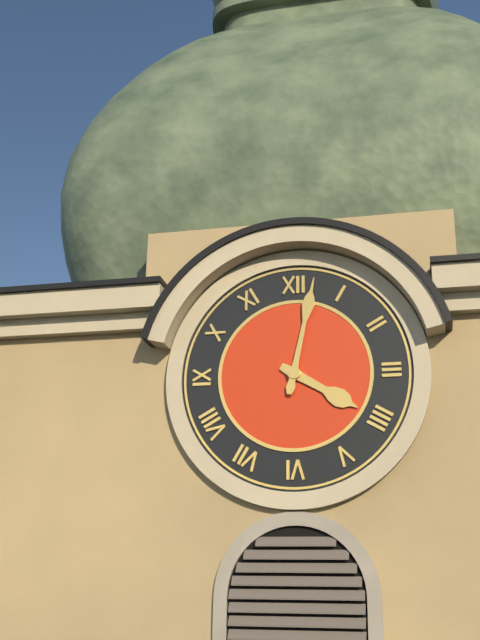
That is h=4 m=2
